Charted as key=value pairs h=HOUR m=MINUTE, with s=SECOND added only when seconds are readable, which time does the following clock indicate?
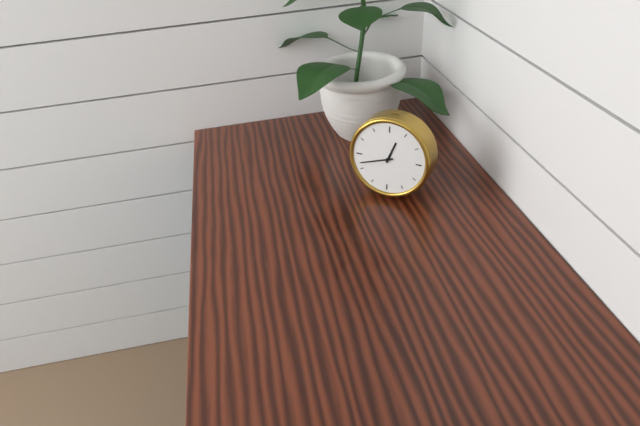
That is h=12 m=42
